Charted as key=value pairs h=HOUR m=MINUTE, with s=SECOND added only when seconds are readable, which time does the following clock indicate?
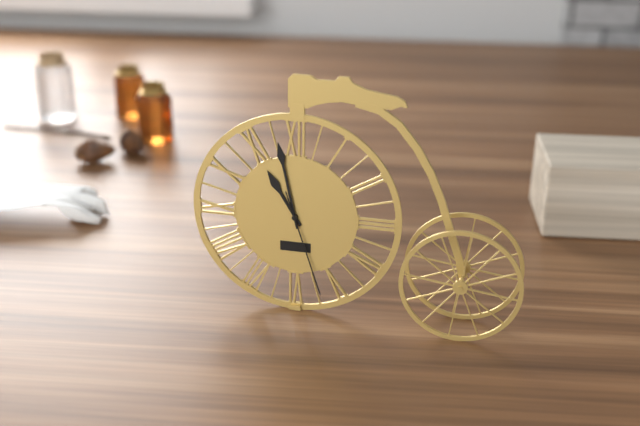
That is h=10 m=58 s=27
